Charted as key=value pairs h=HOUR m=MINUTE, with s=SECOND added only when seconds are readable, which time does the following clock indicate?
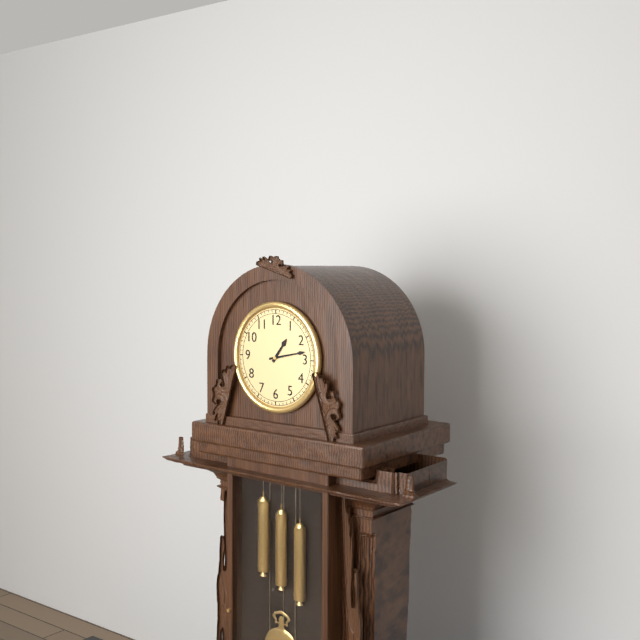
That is h=1 m=13
